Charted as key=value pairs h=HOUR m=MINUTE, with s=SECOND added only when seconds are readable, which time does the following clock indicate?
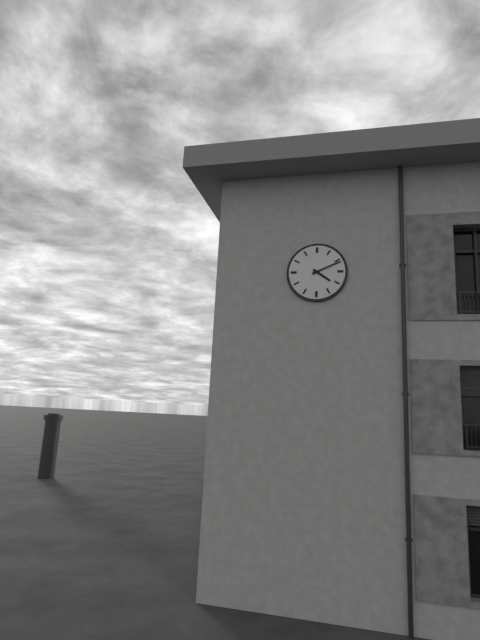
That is h=4 m=11
